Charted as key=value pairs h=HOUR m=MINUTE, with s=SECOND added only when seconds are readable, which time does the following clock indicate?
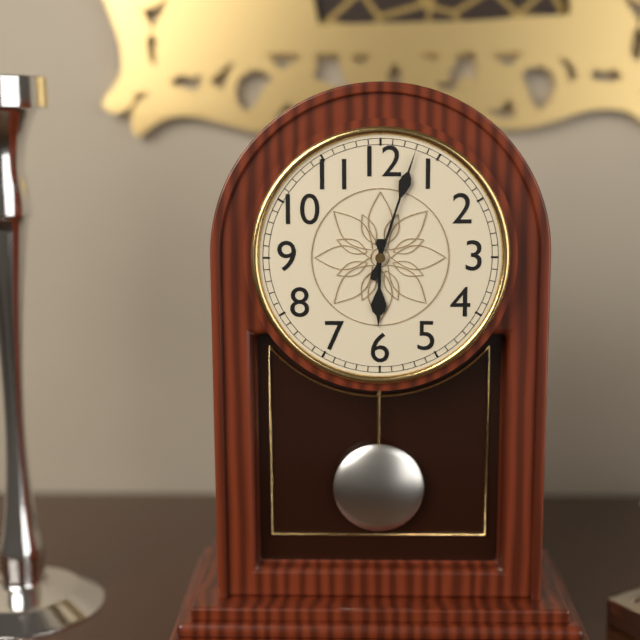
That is h=6 m=3
